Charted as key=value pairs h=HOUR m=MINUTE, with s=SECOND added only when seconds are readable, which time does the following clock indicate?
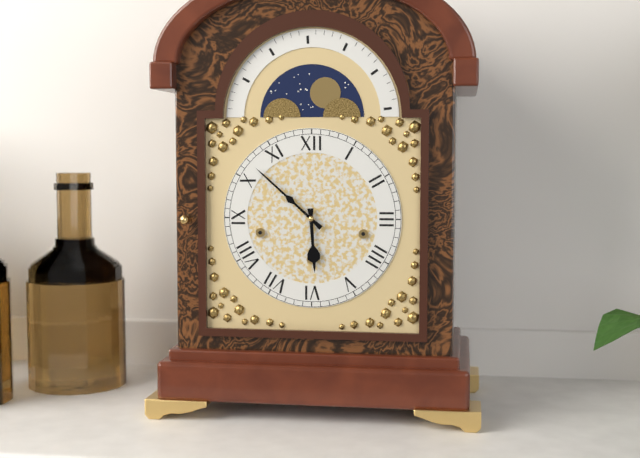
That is h=5 m=52
